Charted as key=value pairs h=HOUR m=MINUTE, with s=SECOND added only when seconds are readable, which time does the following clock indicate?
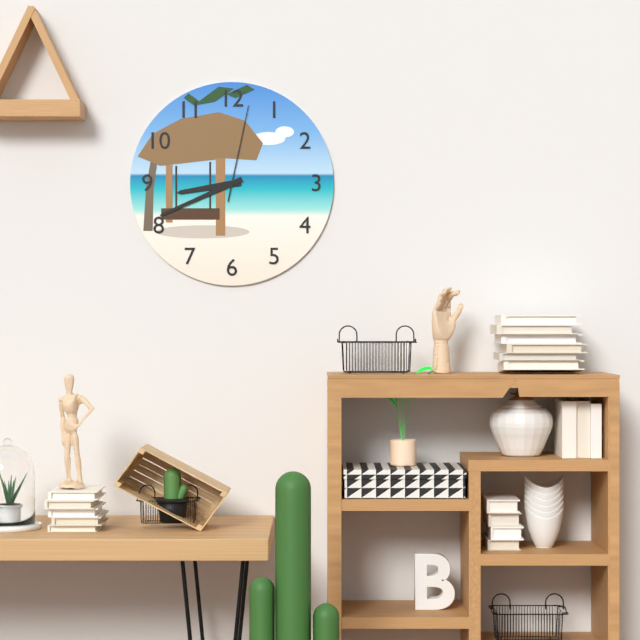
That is h=8 m=41 s=2
